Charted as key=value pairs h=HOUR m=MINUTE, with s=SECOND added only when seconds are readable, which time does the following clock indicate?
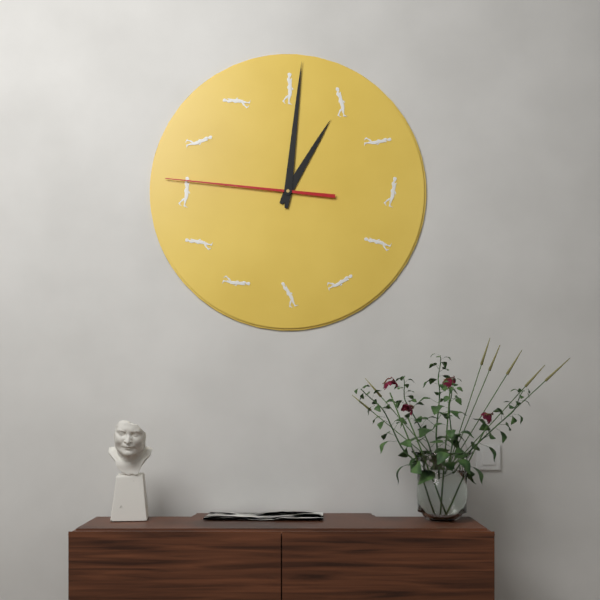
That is h=1 m=1 s=46
